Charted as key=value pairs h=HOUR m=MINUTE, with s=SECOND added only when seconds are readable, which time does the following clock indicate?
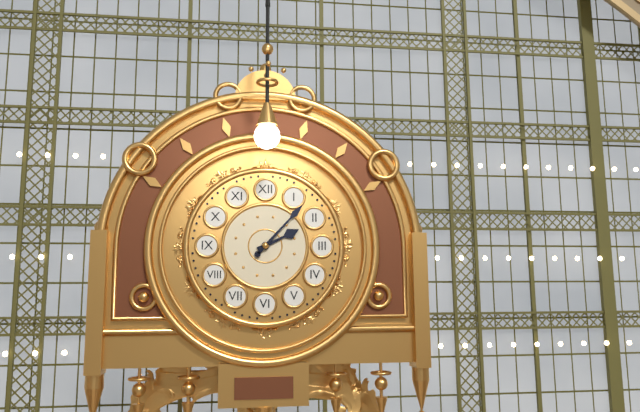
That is h=2 m=7
